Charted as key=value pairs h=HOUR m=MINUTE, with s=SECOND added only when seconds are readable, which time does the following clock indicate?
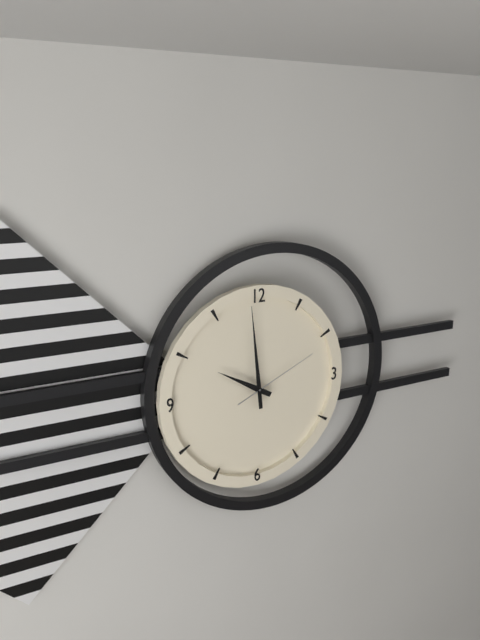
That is h=9 m=59 s=11
